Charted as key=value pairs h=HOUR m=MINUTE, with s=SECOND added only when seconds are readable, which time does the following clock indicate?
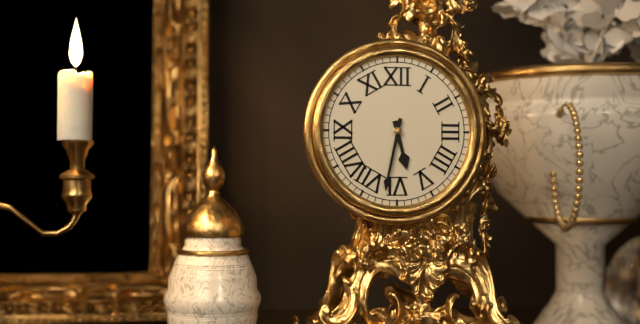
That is h=5 m=32
